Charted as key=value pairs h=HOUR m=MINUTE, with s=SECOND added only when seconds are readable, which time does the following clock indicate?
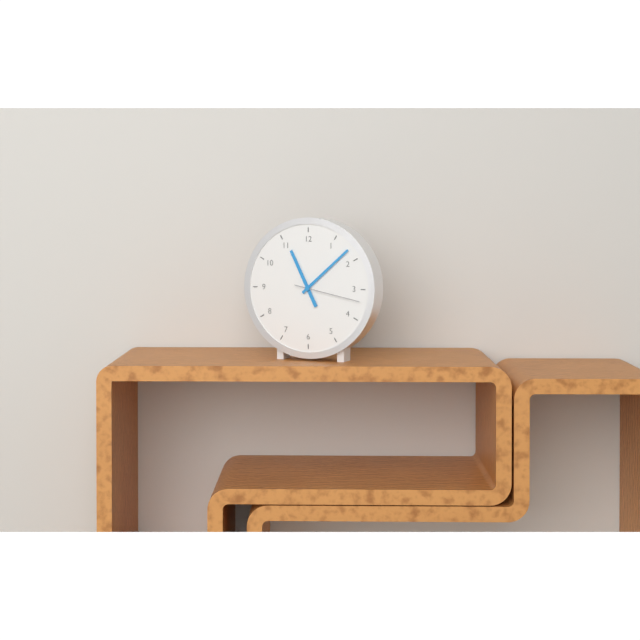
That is h=11 m=8 s=17
